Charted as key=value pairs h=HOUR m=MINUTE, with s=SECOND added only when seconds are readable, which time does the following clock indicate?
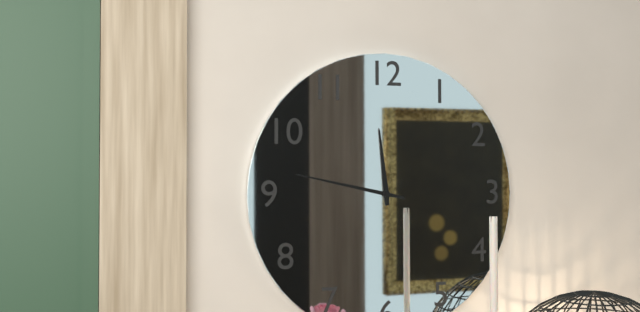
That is h=11 m=47
